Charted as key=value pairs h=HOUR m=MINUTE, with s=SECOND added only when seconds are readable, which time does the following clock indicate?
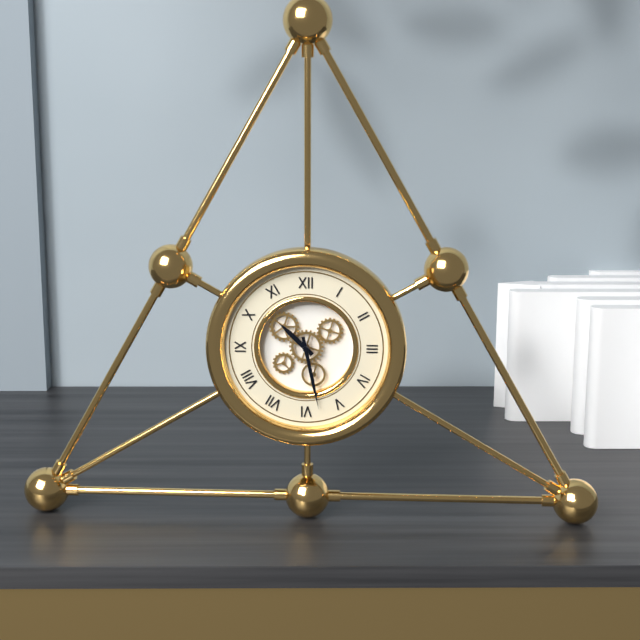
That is h=10 m=28
